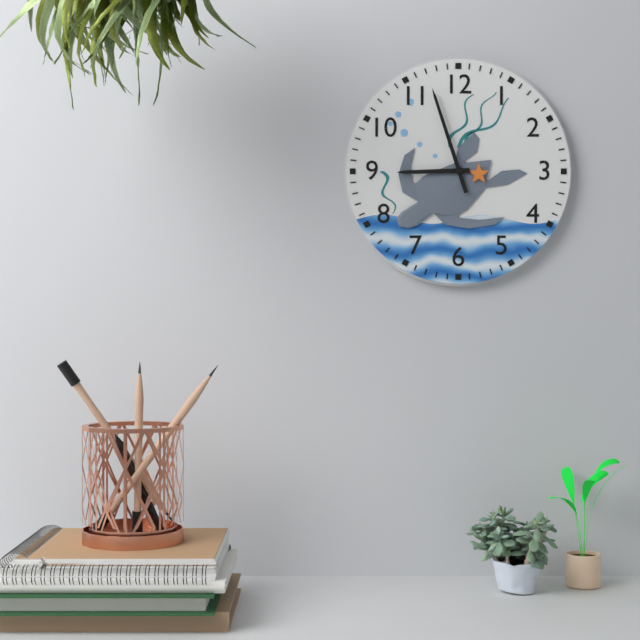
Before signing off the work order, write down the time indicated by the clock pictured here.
8:57
